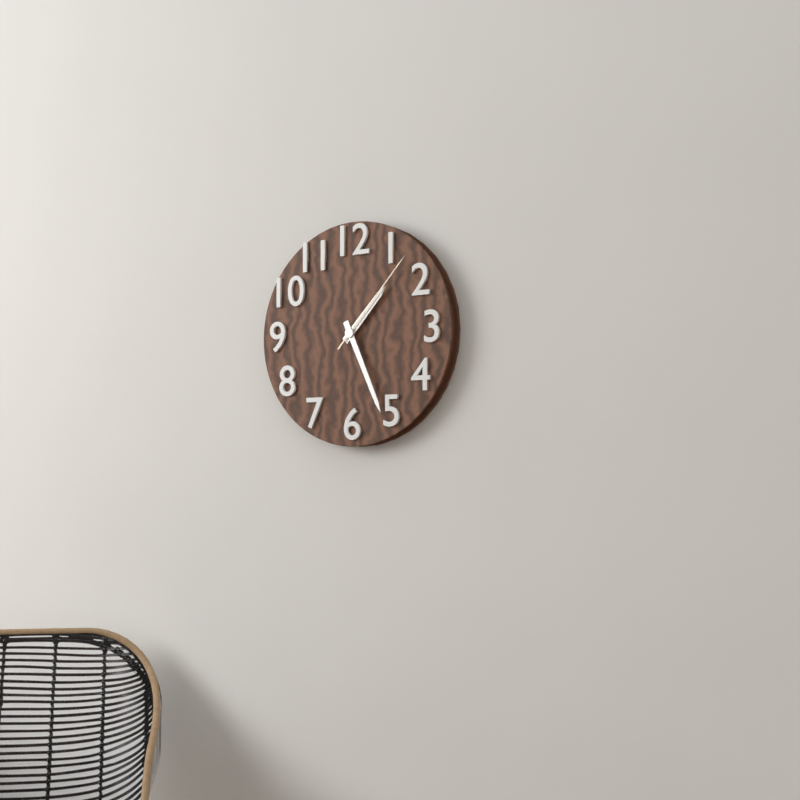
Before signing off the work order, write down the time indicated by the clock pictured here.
1:26:07
